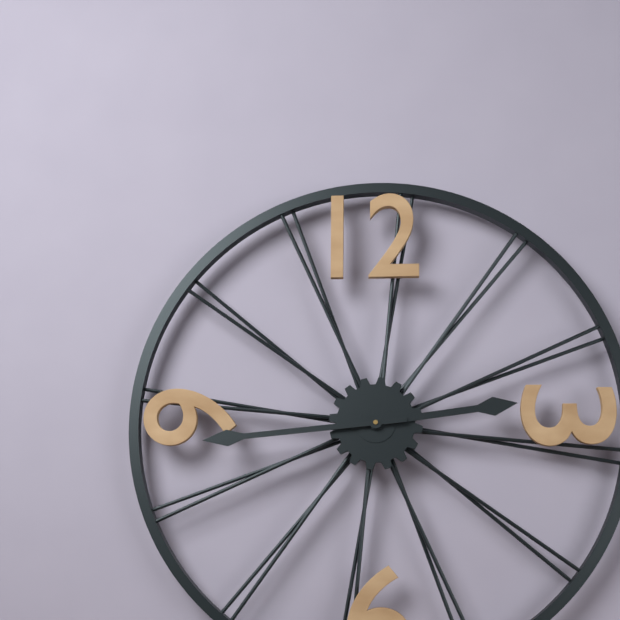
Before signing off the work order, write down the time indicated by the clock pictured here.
2:44
